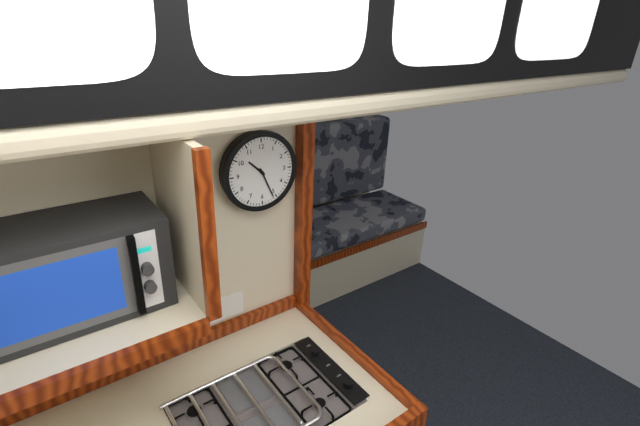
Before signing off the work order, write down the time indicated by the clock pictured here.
10:26
